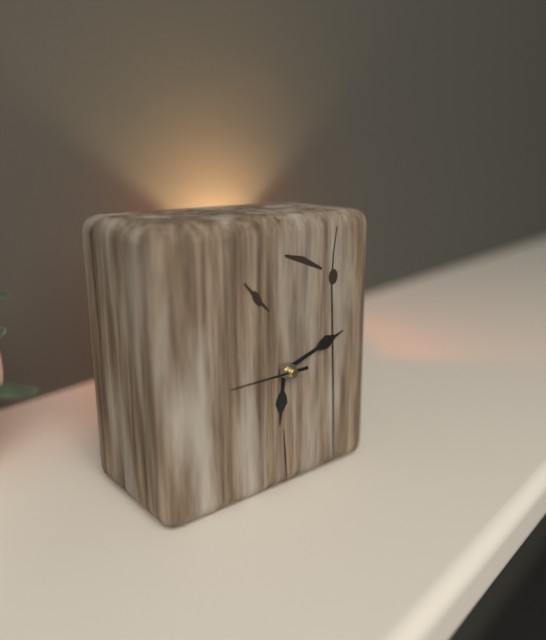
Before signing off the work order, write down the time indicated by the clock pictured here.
6:12:45
